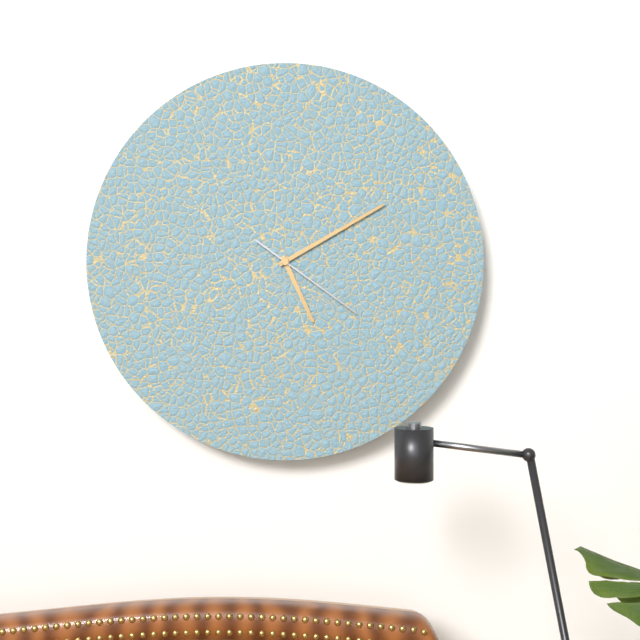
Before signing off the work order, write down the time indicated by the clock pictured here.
5:10:21
